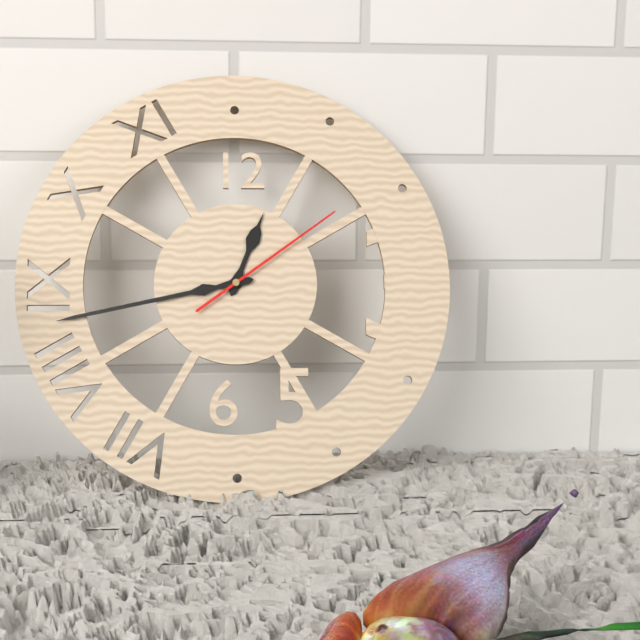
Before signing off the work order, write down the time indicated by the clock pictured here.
12:43:09
